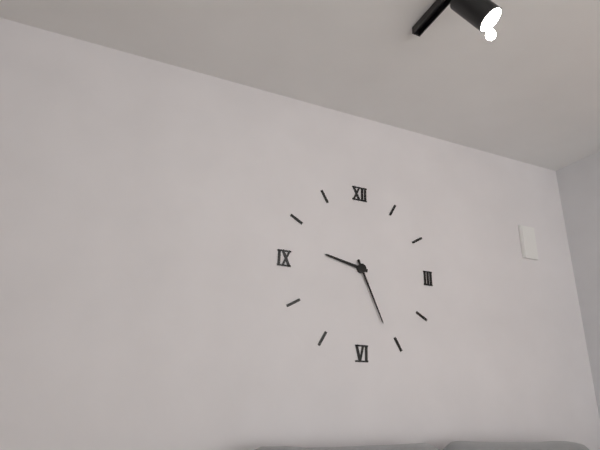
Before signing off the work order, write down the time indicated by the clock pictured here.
9:26
